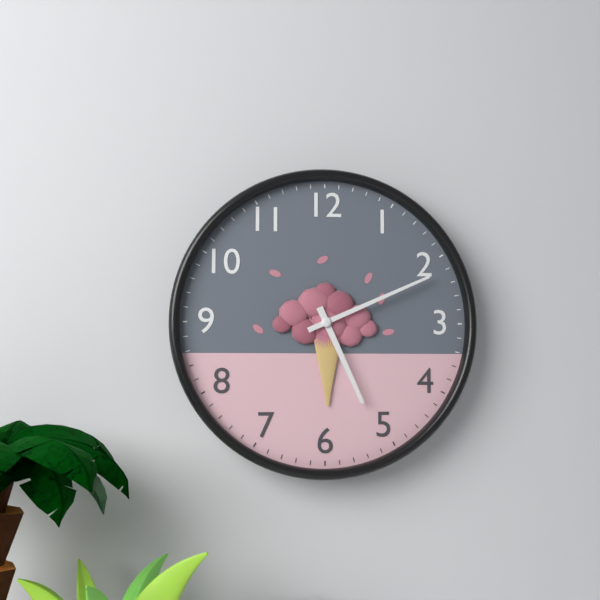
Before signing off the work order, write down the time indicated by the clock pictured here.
5:11
